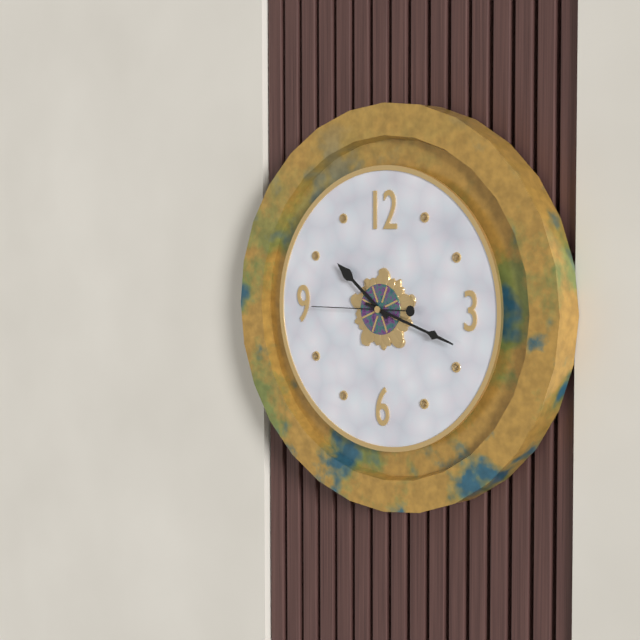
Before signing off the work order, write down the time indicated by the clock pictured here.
10:18:45
